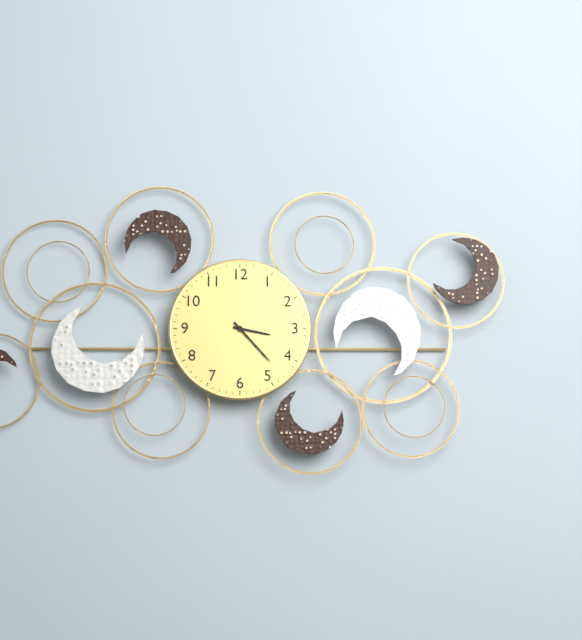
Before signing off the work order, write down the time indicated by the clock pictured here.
3:23
